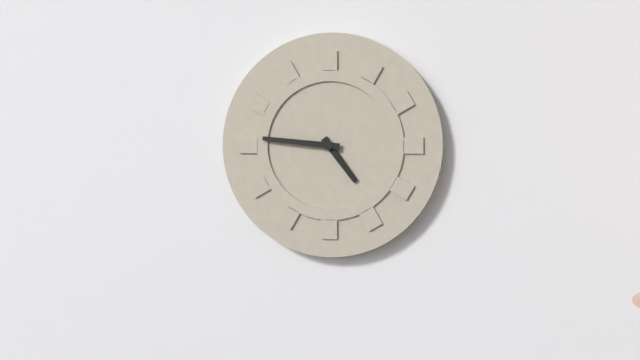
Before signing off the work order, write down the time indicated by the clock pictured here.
4:46
